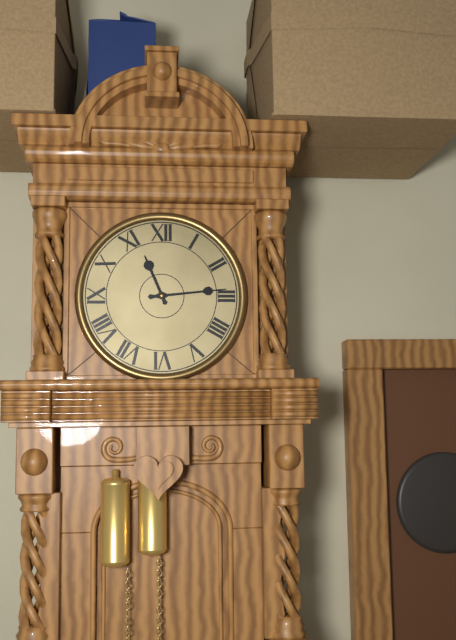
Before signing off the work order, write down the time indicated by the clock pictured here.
11:14
